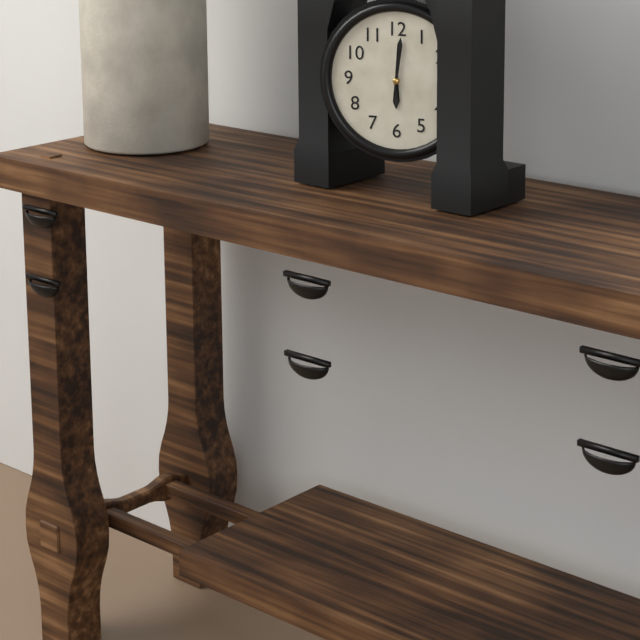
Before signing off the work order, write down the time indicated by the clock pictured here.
6:01
